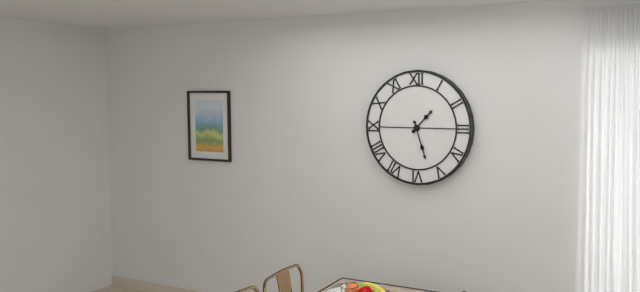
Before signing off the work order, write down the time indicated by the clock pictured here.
1:27
